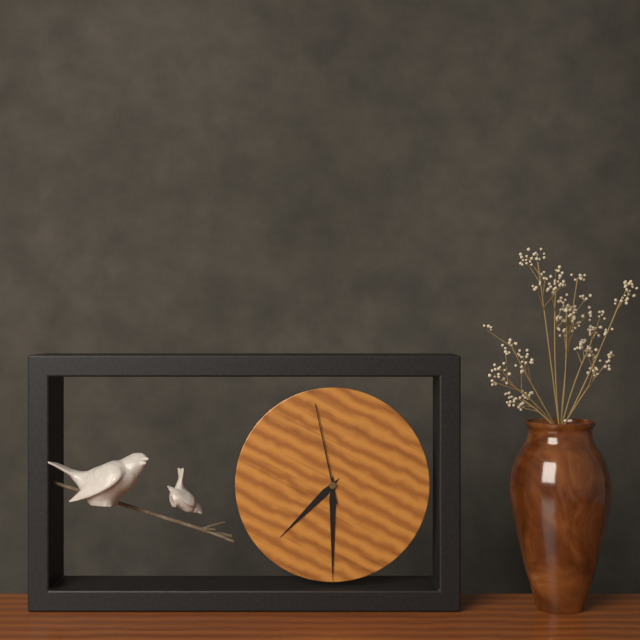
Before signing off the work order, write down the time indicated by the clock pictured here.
7:30:58
